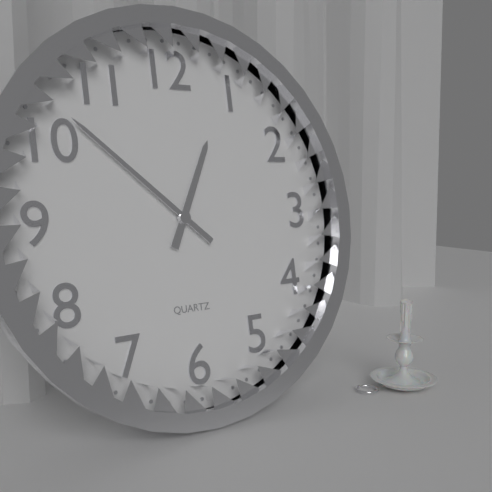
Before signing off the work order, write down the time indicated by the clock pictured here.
12:52
